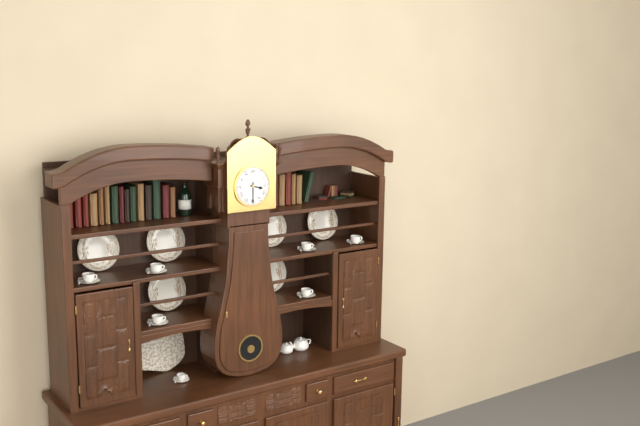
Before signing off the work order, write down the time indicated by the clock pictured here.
3:30
